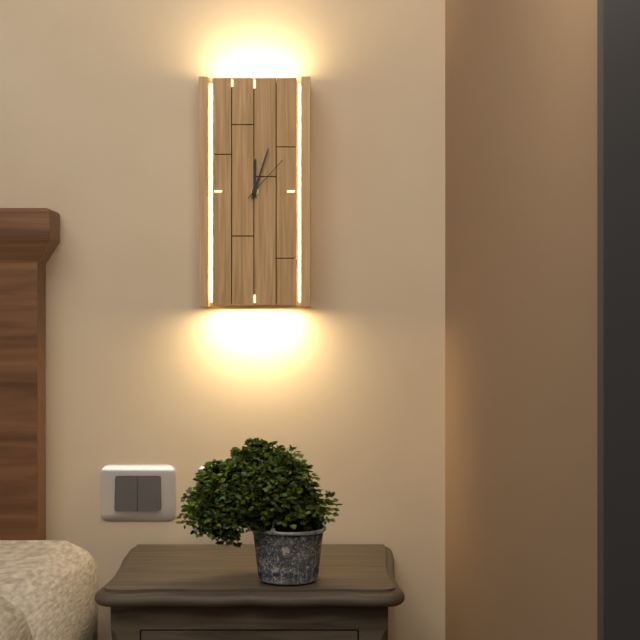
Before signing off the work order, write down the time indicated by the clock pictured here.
12:03:07
